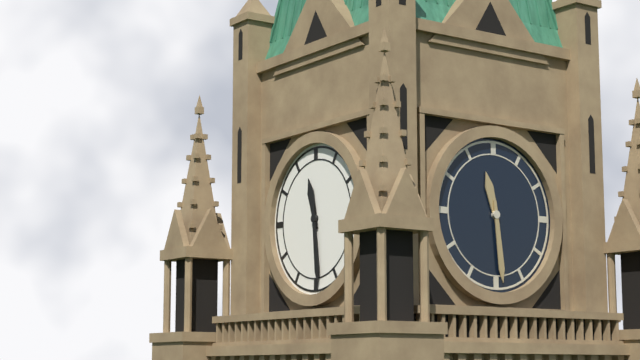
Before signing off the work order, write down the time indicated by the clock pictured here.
11:29
